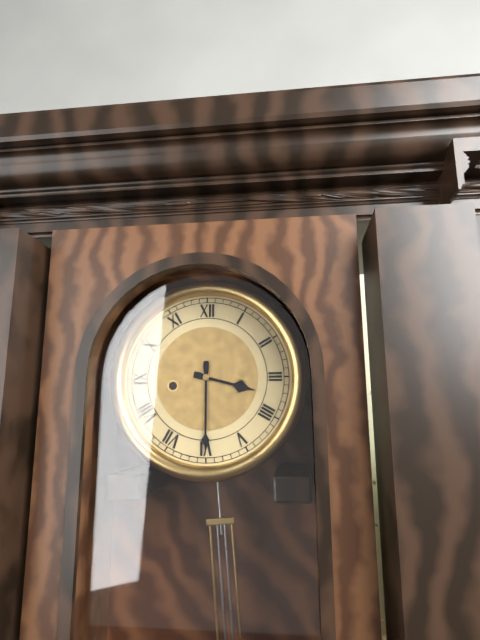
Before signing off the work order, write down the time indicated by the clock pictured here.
3:30
